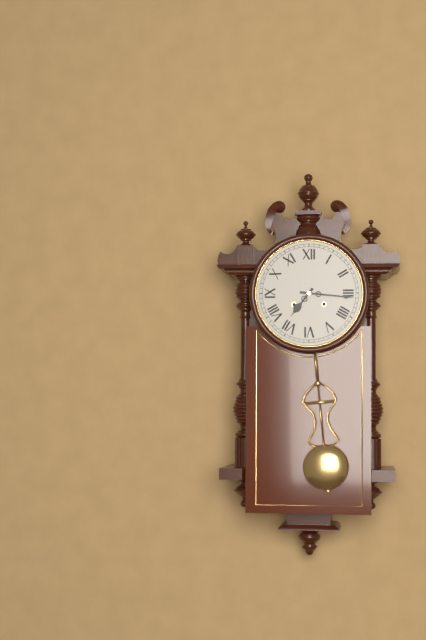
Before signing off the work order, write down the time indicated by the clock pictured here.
7:16
